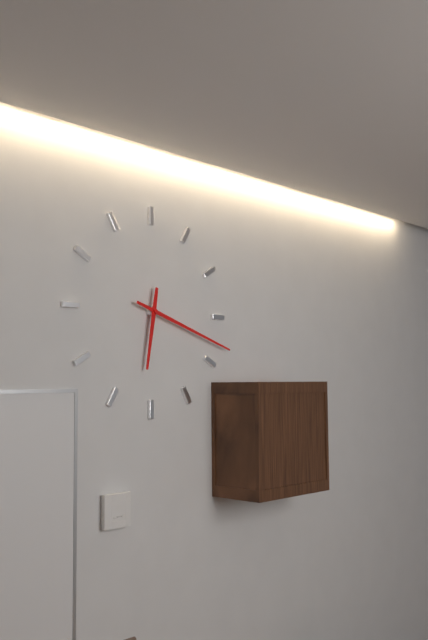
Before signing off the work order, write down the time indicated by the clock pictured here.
6:18
